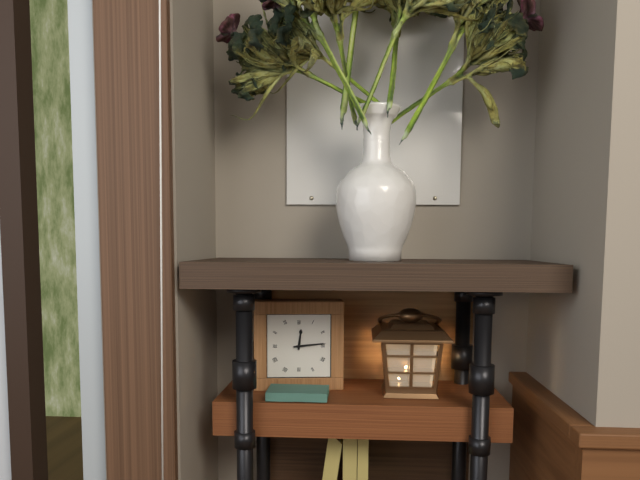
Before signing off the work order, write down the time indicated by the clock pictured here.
12:14
